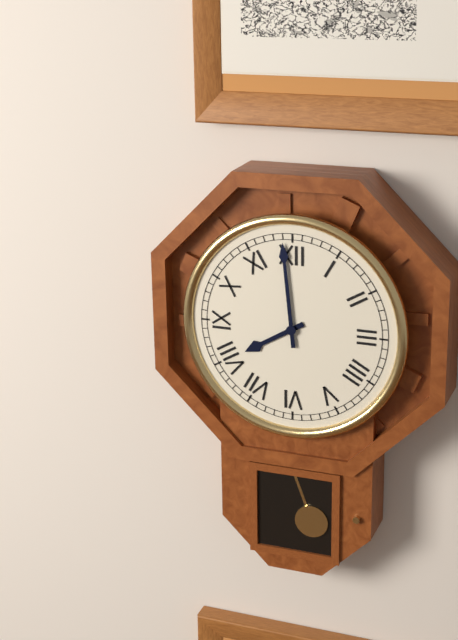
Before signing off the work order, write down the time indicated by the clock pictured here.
7:59
